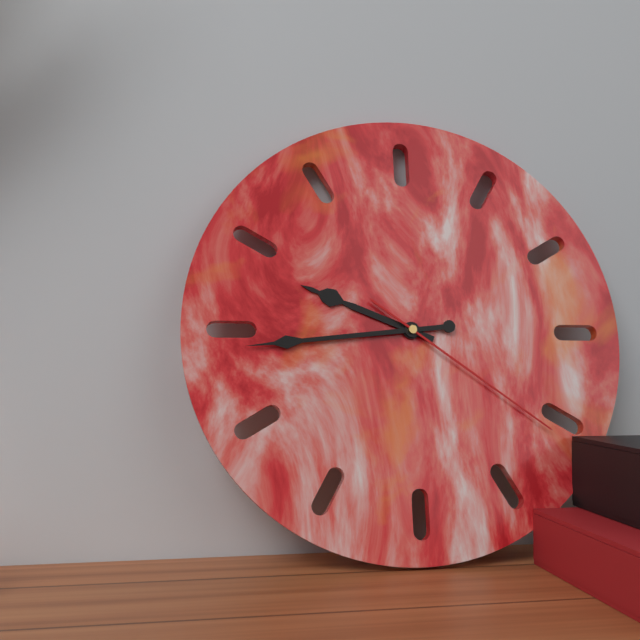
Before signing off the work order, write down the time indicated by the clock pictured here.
9:44:21
